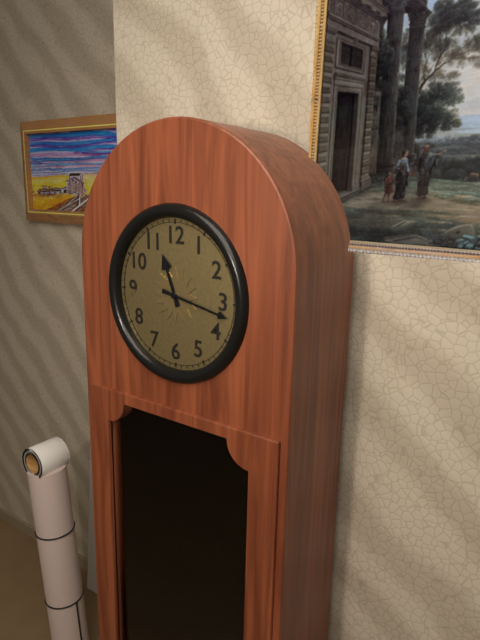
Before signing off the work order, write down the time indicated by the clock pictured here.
11:17
